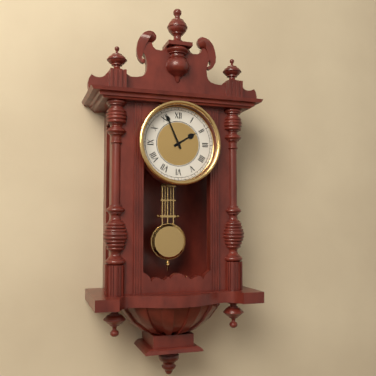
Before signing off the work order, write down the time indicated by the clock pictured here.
1:56
